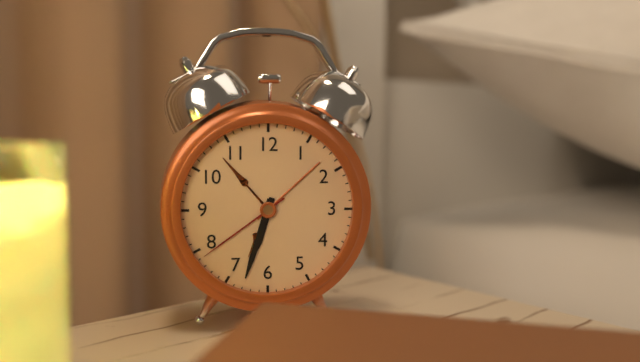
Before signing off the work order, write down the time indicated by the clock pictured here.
6:33:39
